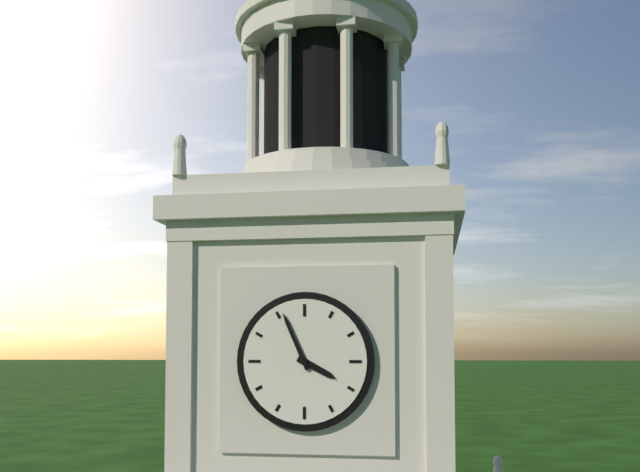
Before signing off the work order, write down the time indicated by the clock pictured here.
3:56
